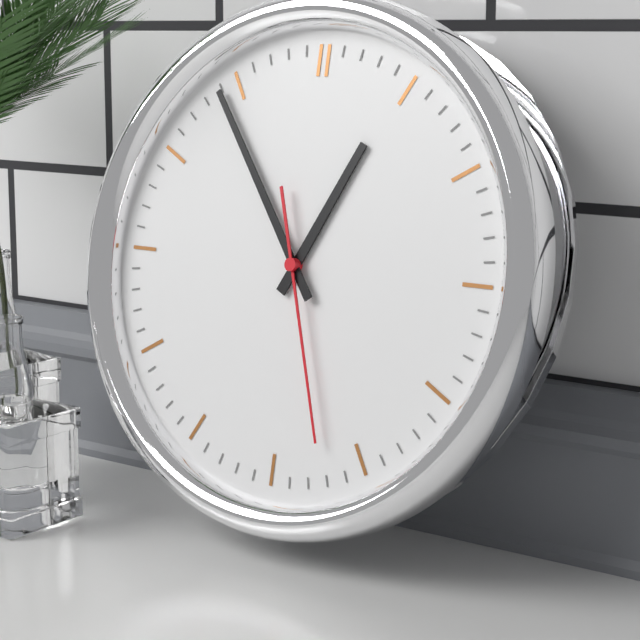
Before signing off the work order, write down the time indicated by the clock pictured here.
12:54:27
